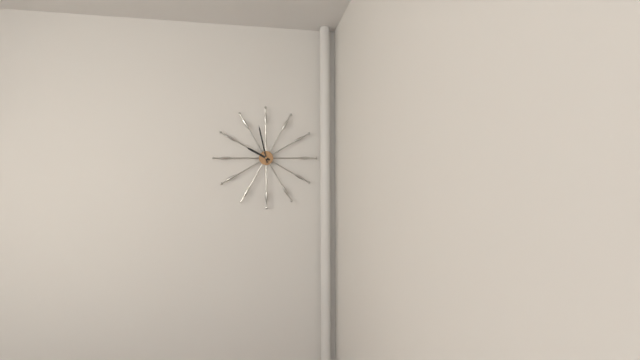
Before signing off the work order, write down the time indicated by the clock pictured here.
9:58
